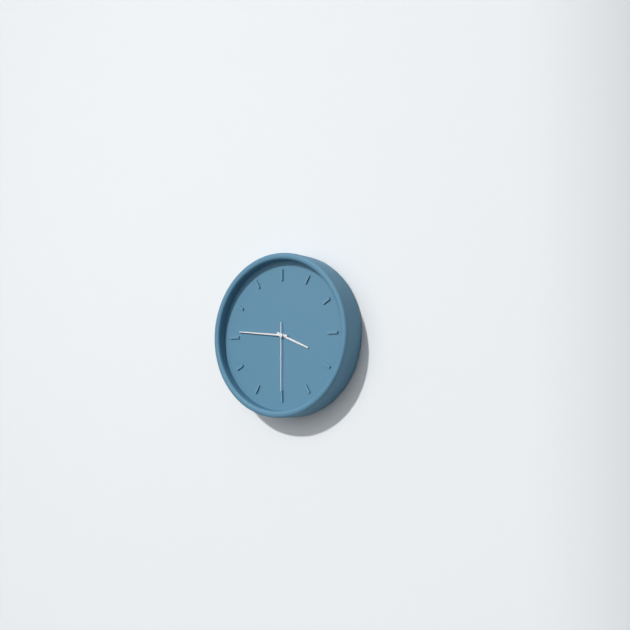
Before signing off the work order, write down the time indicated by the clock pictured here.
3:46:30
